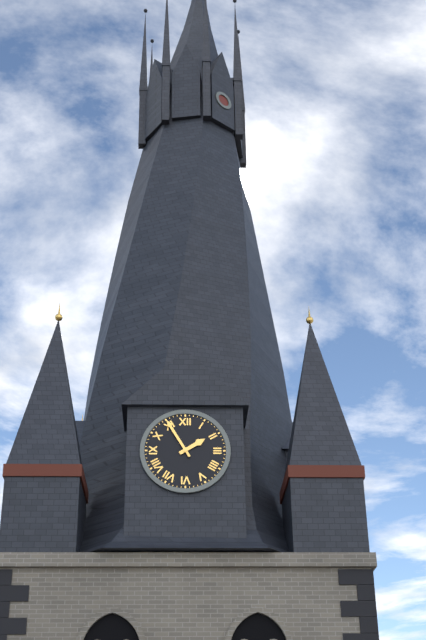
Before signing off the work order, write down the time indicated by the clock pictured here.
1:55
